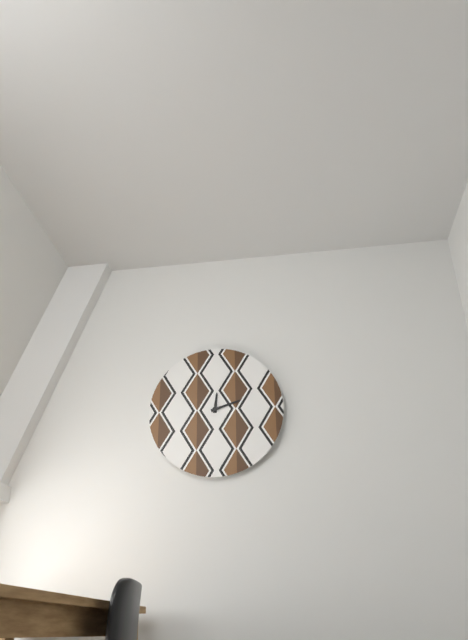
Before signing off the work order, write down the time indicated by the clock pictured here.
12:12
